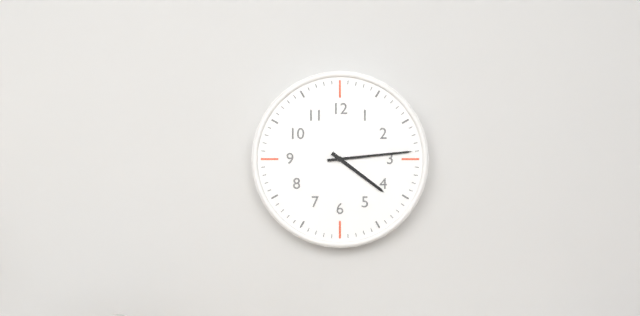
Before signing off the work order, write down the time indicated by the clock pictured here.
4:14
